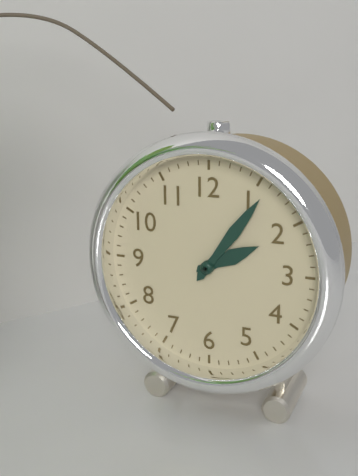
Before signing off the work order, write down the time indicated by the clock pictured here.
2:06
